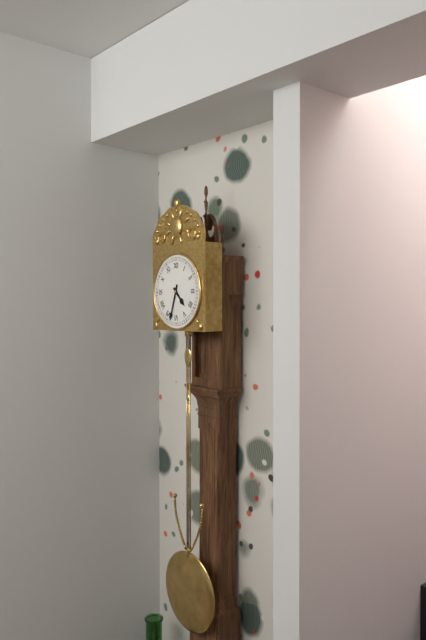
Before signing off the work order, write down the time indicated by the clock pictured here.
4:33
